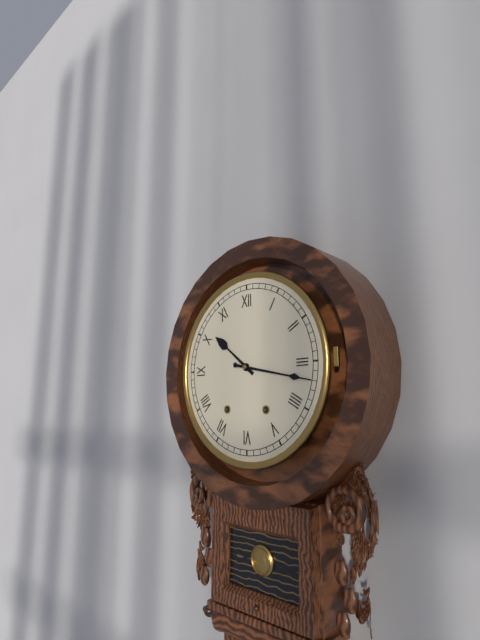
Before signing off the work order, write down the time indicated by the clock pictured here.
10:17
